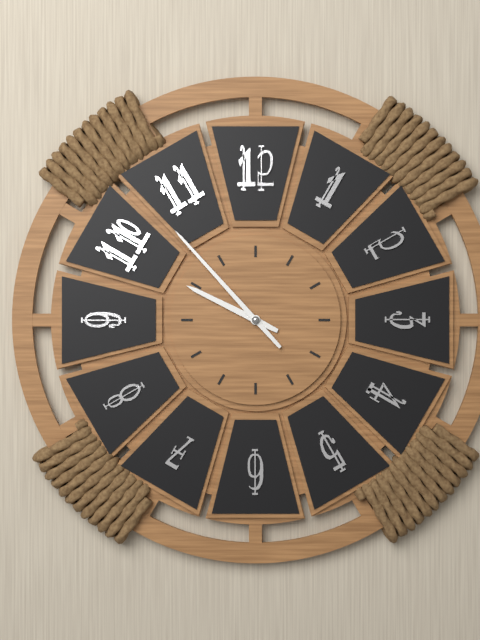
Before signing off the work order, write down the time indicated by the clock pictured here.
9:53
